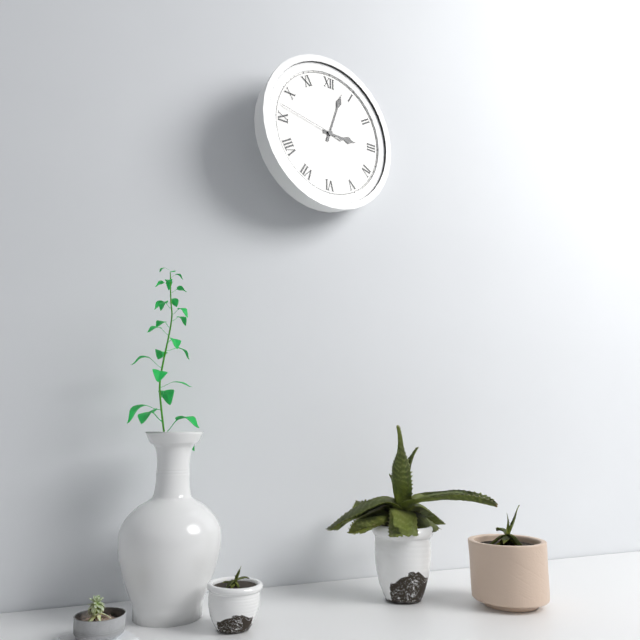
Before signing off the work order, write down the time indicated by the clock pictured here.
3:03:47
